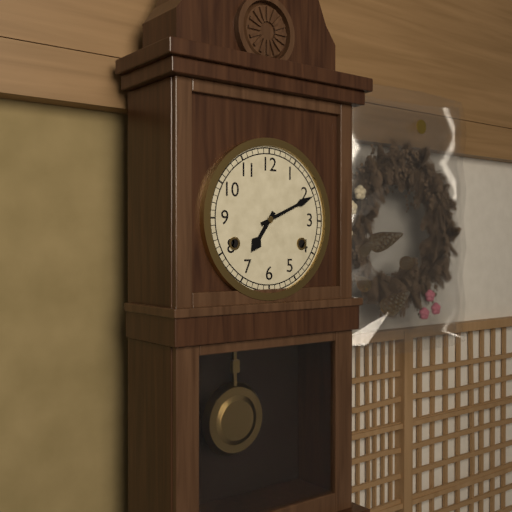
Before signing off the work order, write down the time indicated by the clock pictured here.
7:11
